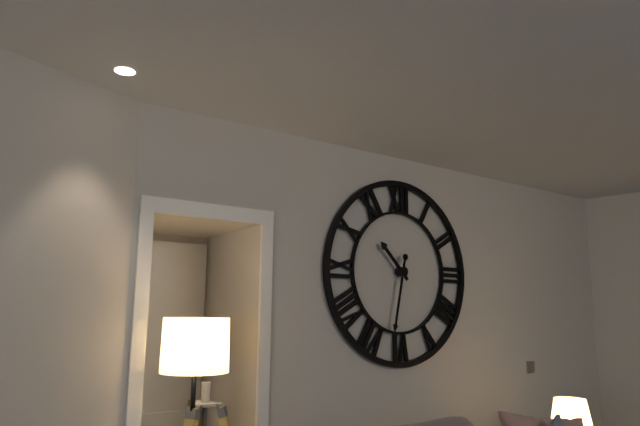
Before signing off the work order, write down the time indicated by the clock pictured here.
10:32
